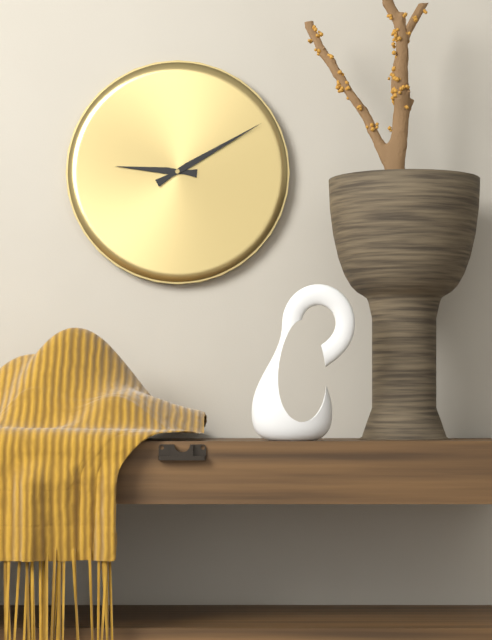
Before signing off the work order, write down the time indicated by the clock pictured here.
9:10
